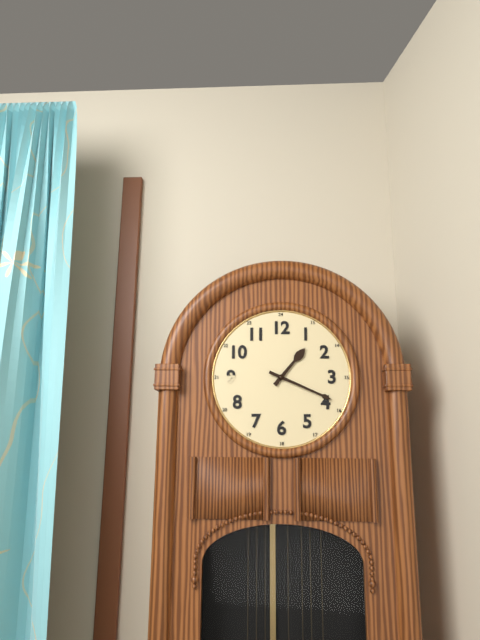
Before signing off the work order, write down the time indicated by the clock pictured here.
1:19
